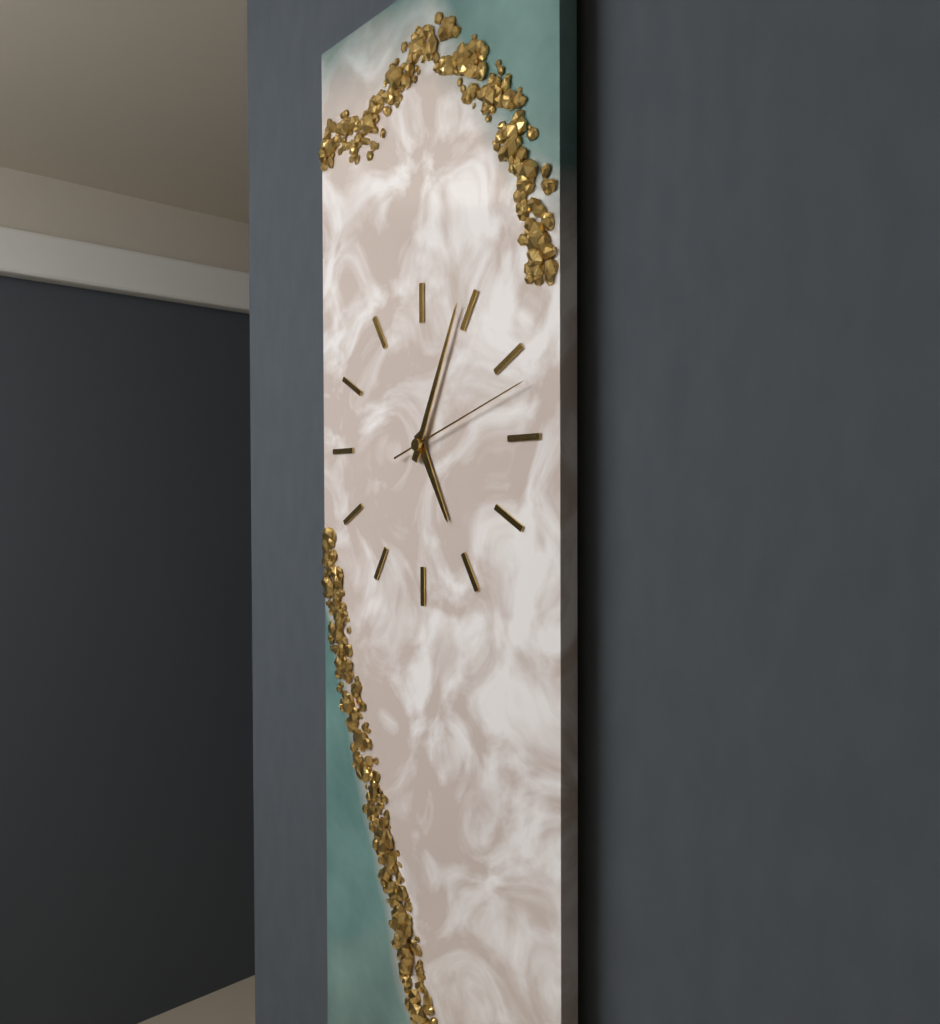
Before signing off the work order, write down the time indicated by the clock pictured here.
5:04:12
